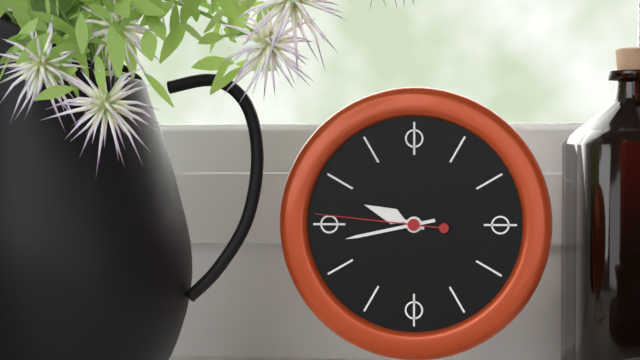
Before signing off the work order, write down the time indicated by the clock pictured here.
9:43:46
